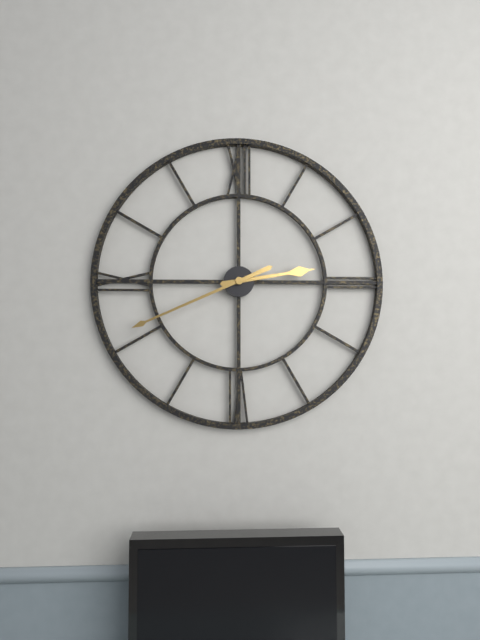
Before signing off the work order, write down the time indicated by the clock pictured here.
2:41
